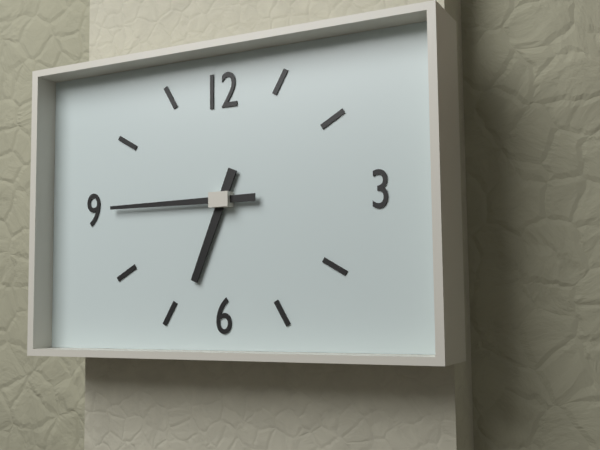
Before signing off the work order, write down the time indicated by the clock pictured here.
6:45
